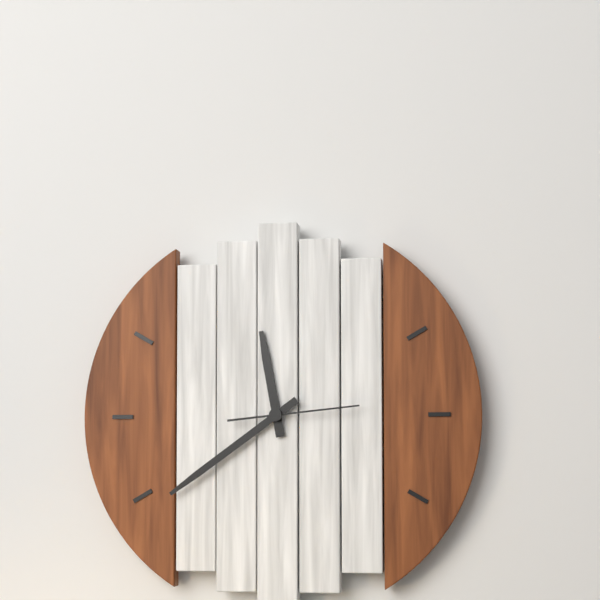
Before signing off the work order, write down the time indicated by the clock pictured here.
11:39:14
